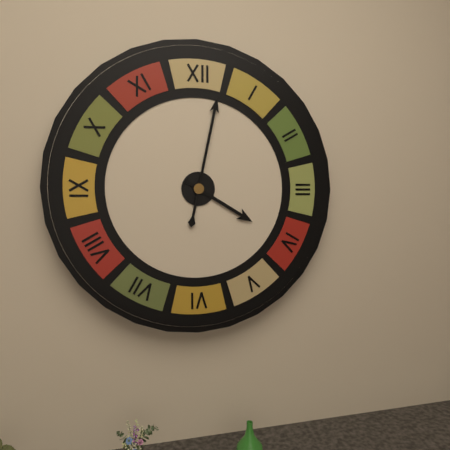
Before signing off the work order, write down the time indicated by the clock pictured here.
4:02
